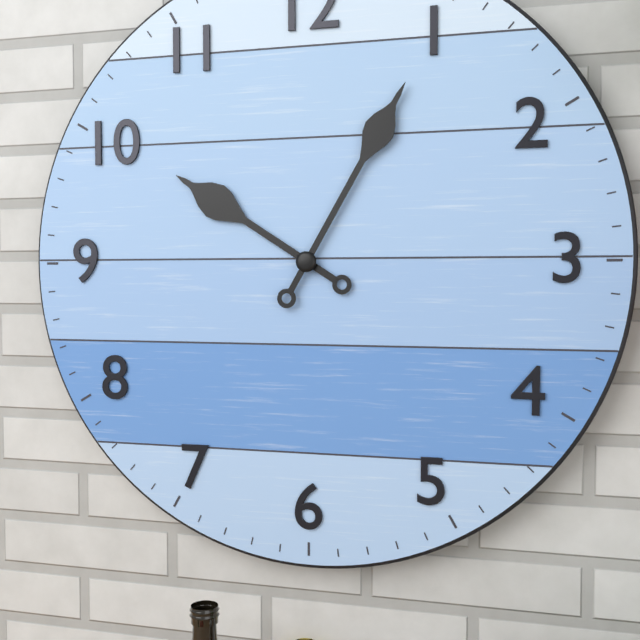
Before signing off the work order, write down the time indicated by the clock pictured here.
10:05
